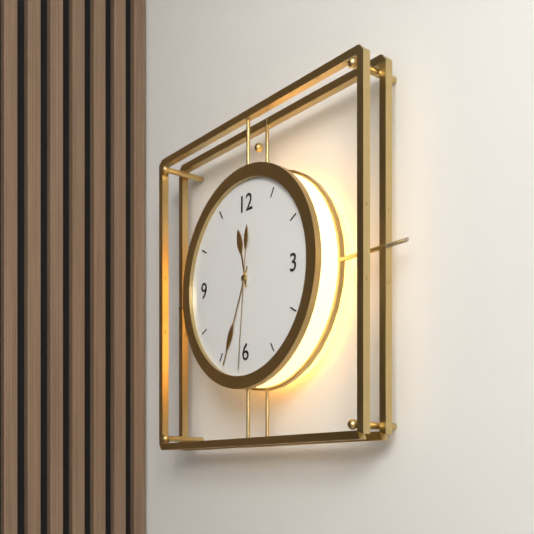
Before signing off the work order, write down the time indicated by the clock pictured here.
11:34:31
